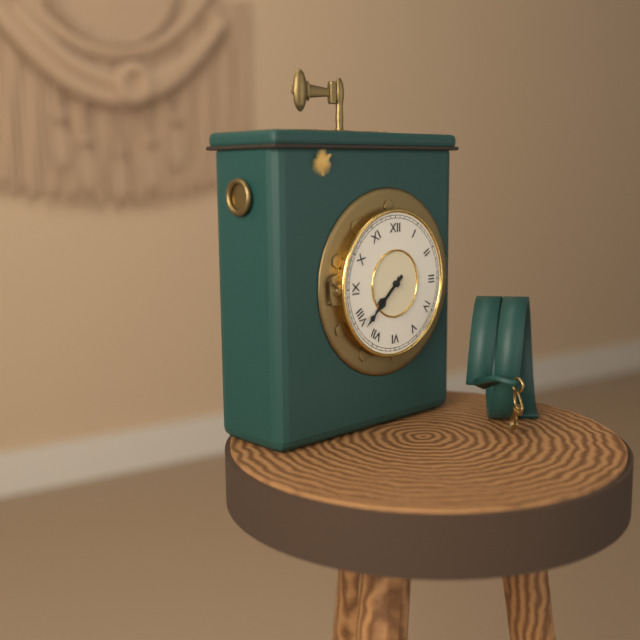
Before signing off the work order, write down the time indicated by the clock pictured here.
7:38
